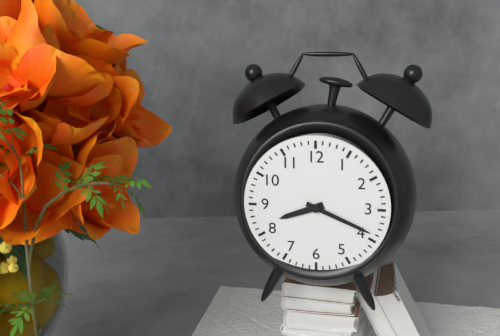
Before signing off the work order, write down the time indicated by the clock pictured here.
8:19
